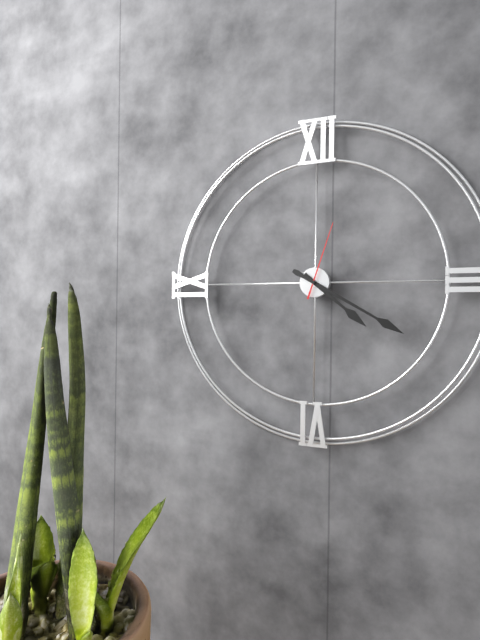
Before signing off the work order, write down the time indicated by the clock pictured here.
4:20:03
